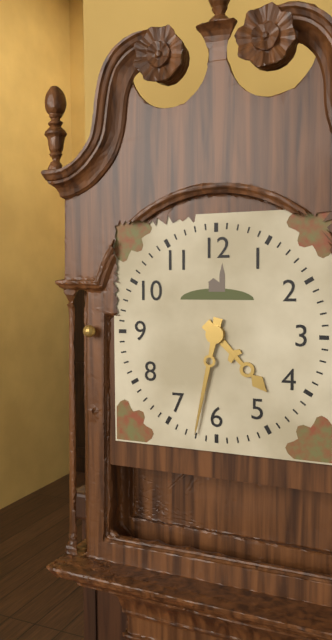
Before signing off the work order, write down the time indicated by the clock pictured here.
4:32
